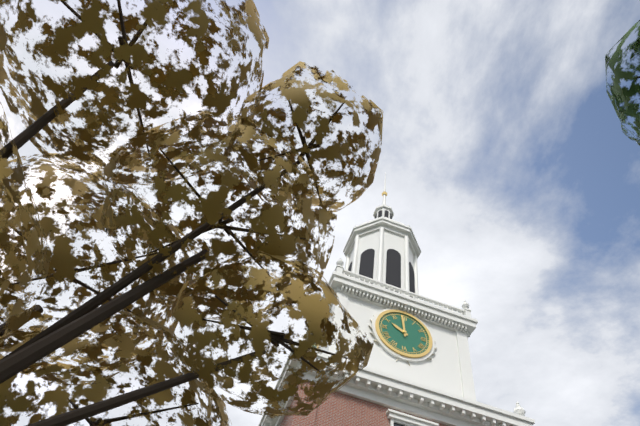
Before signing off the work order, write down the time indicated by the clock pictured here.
9:59
